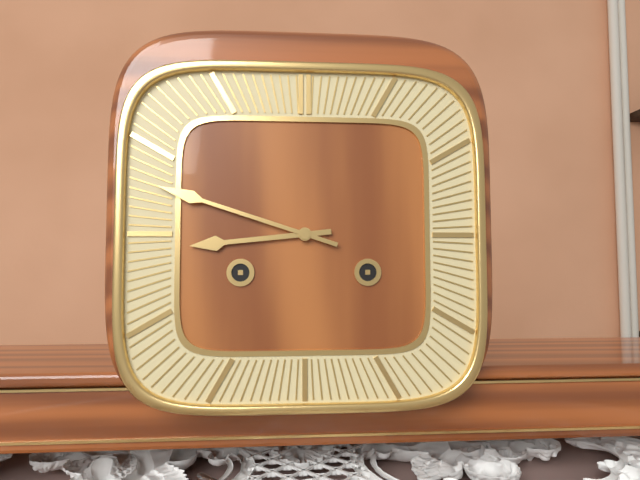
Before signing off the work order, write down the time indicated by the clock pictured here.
8:48
